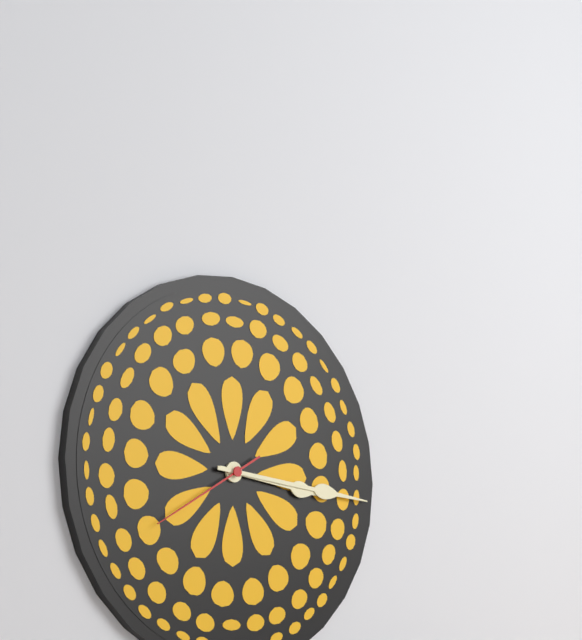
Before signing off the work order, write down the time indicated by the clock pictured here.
3:16:40
